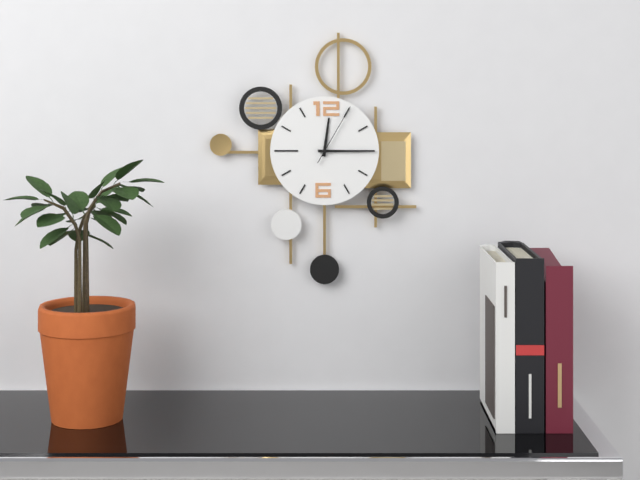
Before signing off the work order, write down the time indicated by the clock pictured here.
12:15:05
